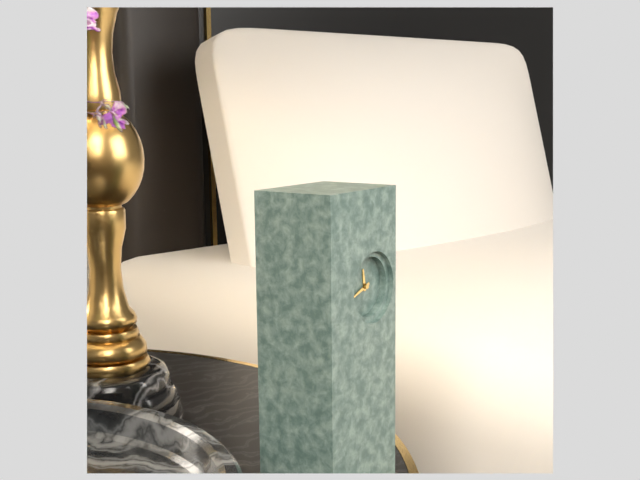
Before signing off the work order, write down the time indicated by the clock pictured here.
11:42
